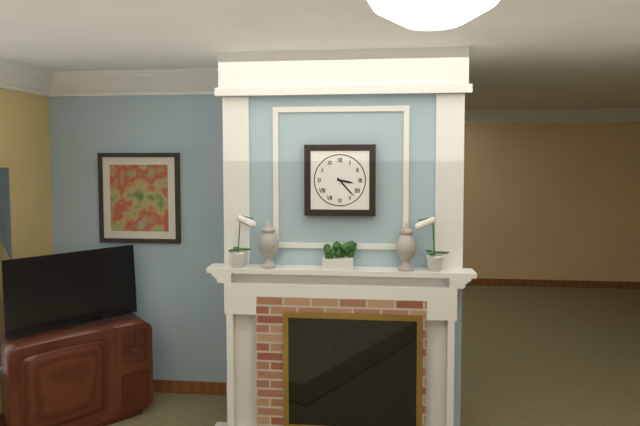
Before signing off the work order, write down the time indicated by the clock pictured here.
3:23
